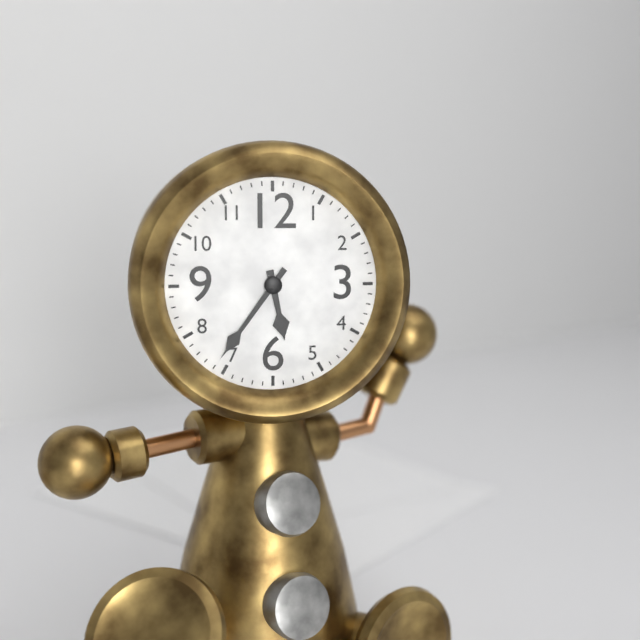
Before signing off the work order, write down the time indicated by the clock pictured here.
5:36
